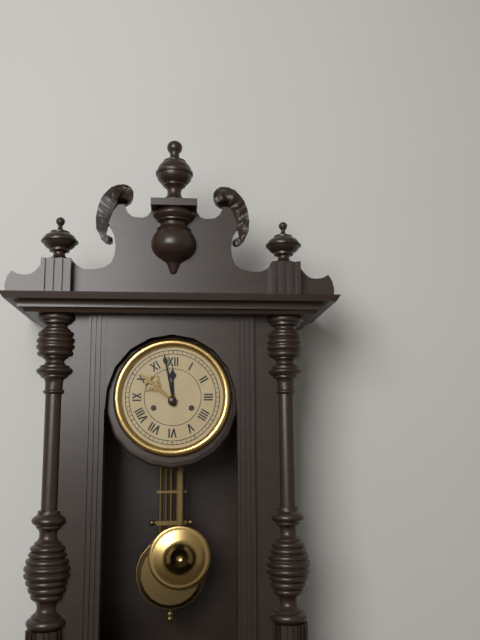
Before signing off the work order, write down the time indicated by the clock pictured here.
11:58
